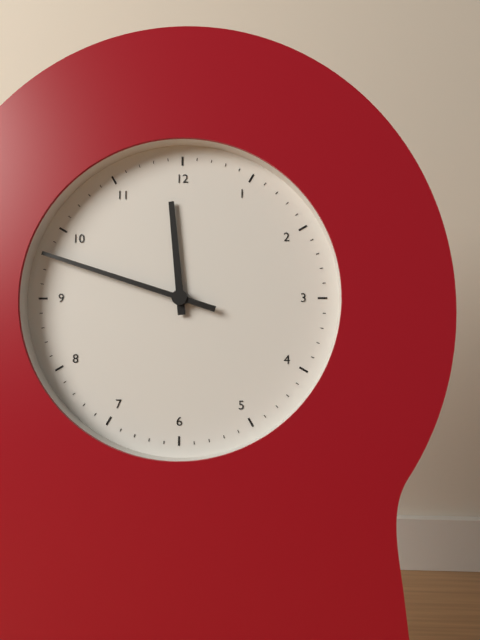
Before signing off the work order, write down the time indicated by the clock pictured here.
11:48
